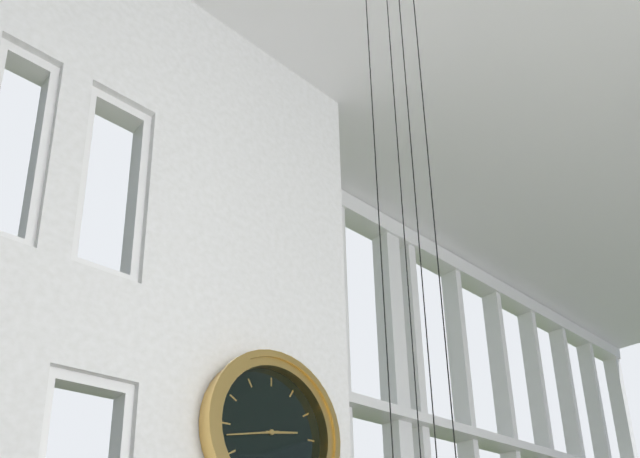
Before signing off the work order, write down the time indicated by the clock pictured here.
2:43
